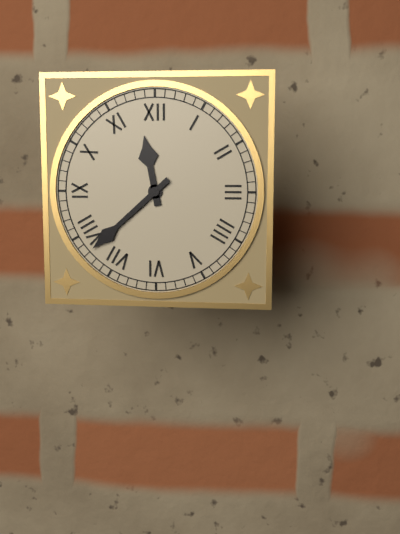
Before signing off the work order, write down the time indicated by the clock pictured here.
11:38
